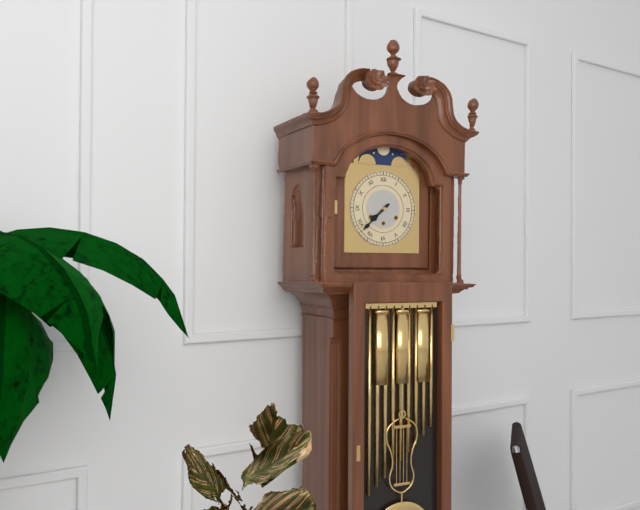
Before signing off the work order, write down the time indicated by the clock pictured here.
7:38
